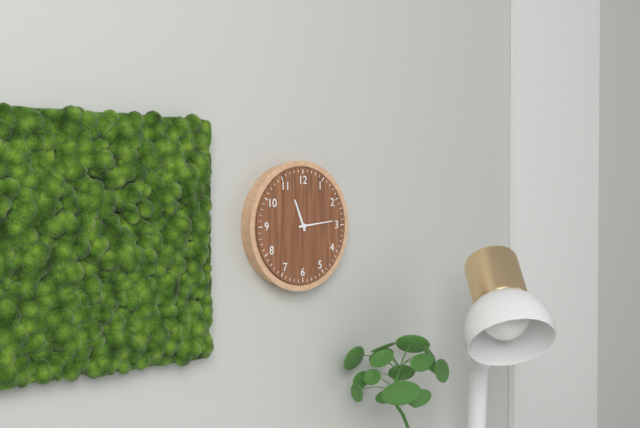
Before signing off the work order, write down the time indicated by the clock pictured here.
11:14
